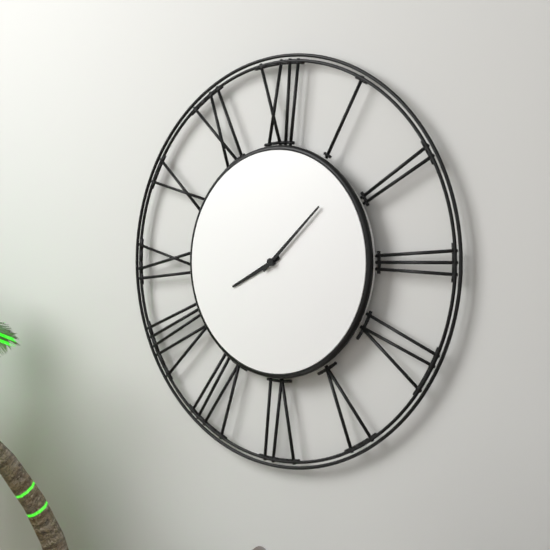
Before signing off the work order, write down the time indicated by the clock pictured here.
8:08
